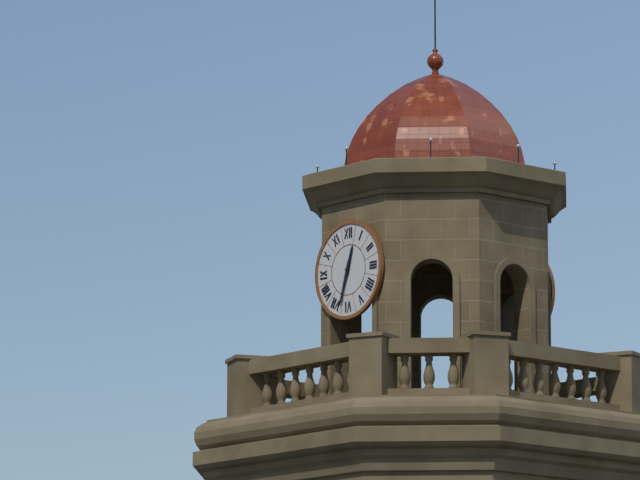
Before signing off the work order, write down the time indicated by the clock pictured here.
12:33
